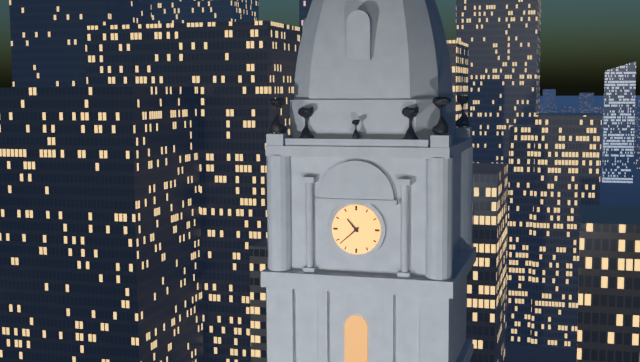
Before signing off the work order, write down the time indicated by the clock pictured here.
10:38
